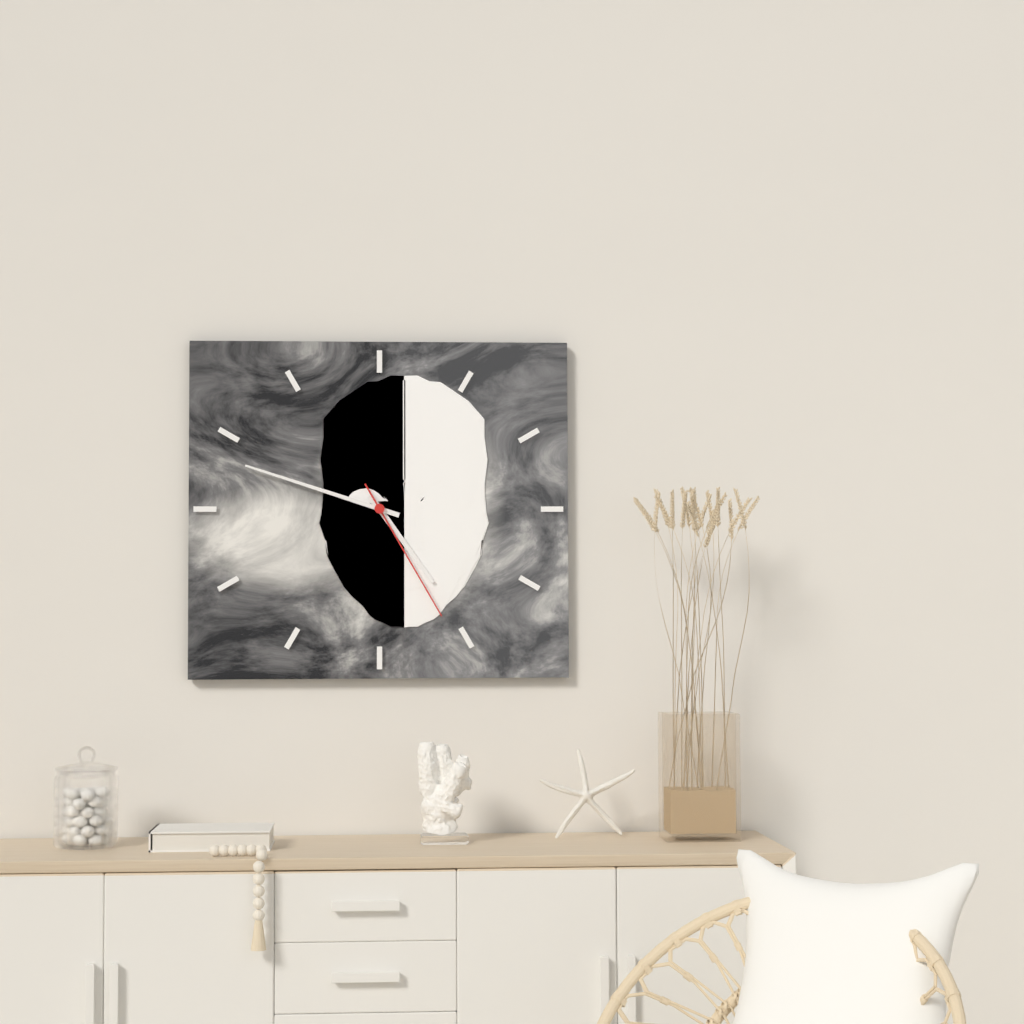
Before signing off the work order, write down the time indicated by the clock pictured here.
4:48:25
